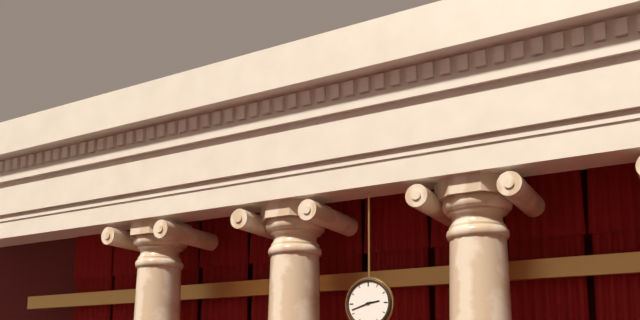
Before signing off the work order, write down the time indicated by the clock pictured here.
2:42
